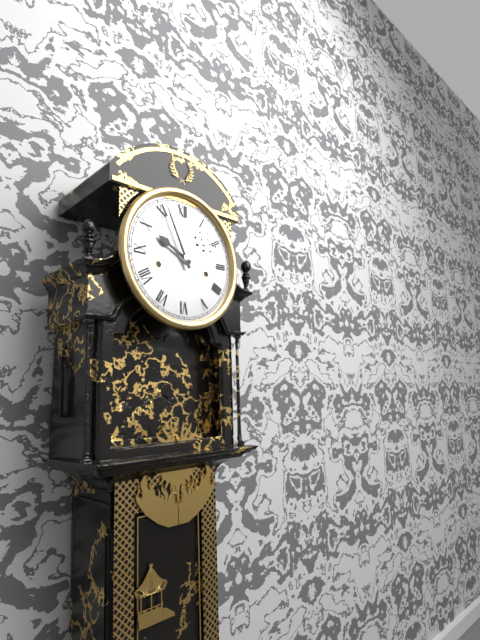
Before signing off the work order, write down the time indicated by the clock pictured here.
9:56
